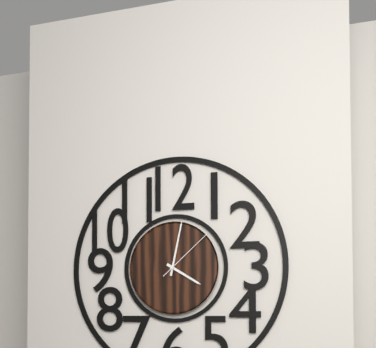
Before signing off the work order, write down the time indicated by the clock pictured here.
4:02:08
